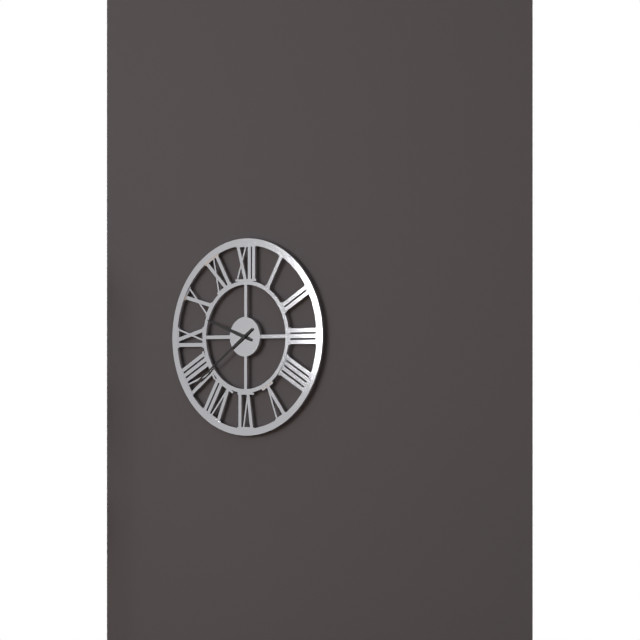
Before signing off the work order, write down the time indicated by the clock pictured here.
9:39
